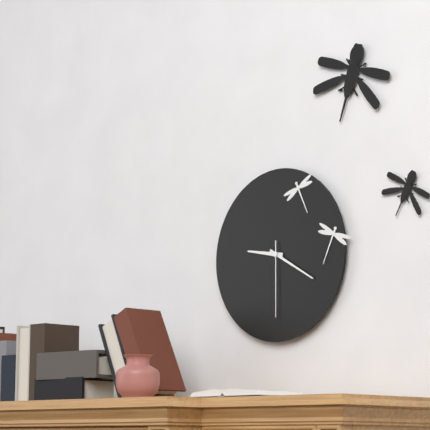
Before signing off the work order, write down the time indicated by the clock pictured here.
9:20:30
